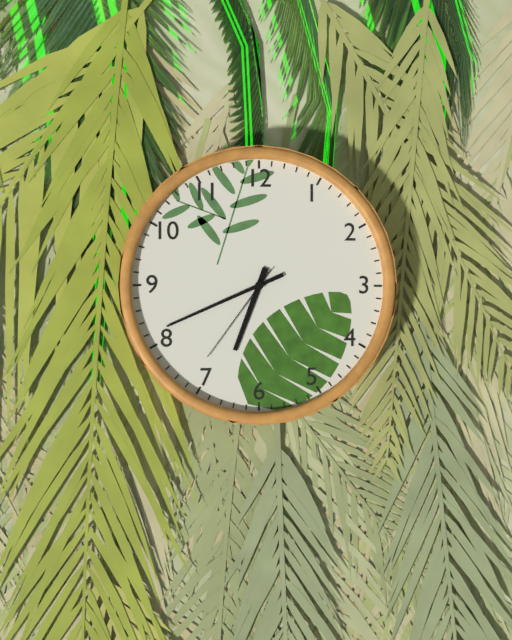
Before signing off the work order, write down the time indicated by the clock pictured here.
6:41:36
